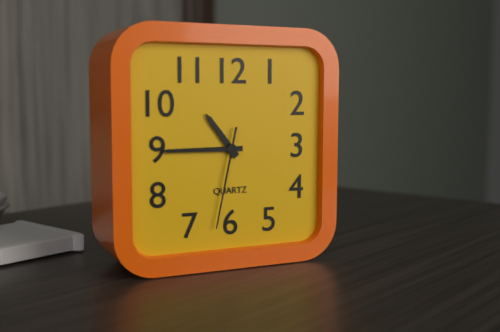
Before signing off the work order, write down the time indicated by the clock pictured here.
10:45:32
